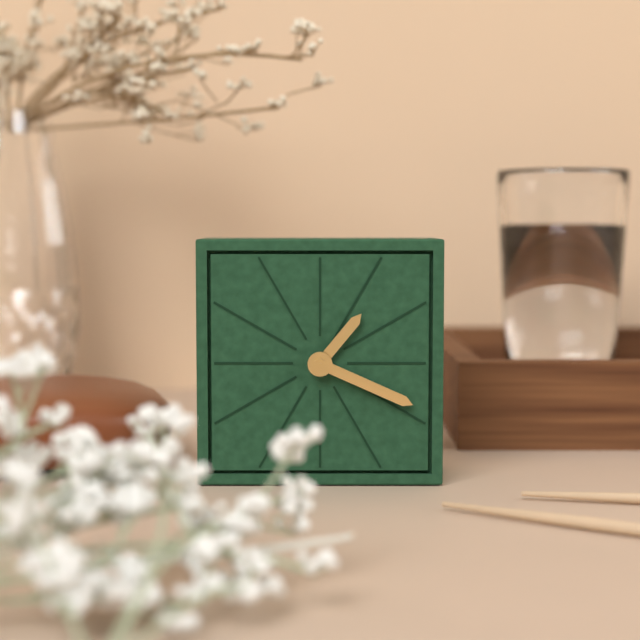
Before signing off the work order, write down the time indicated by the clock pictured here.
1:19
